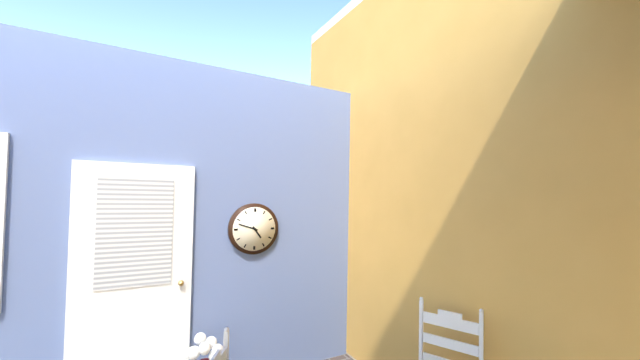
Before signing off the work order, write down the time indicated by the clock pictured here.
4:48
